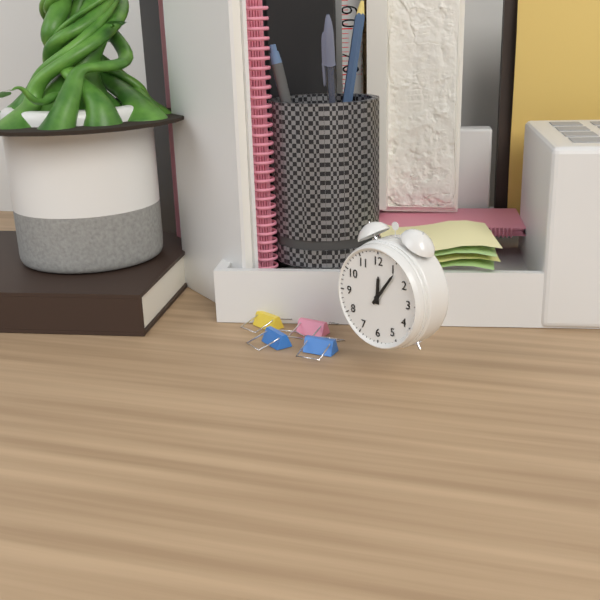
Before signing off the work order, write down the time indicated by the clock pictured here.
12:06
